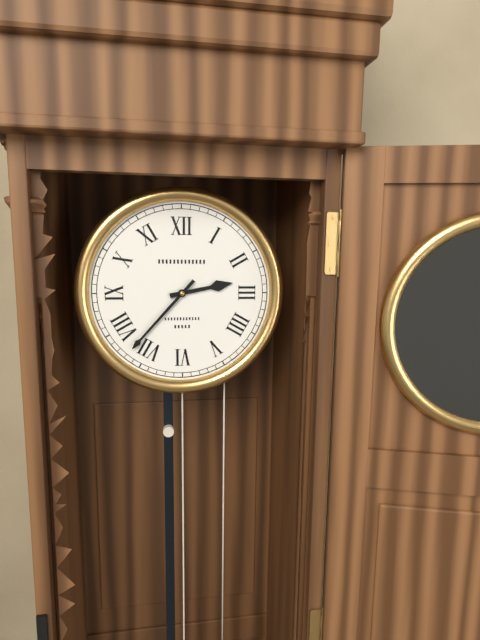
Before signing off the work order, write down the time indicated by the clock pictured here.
2:37
